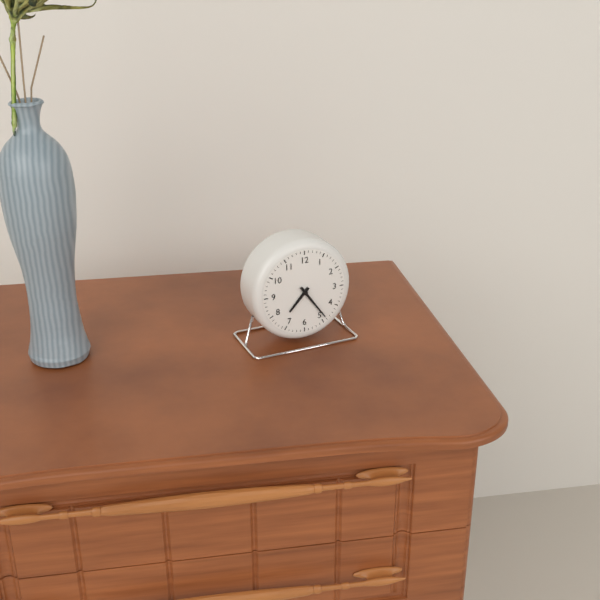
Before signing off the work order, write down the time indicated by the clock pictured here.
7:24
